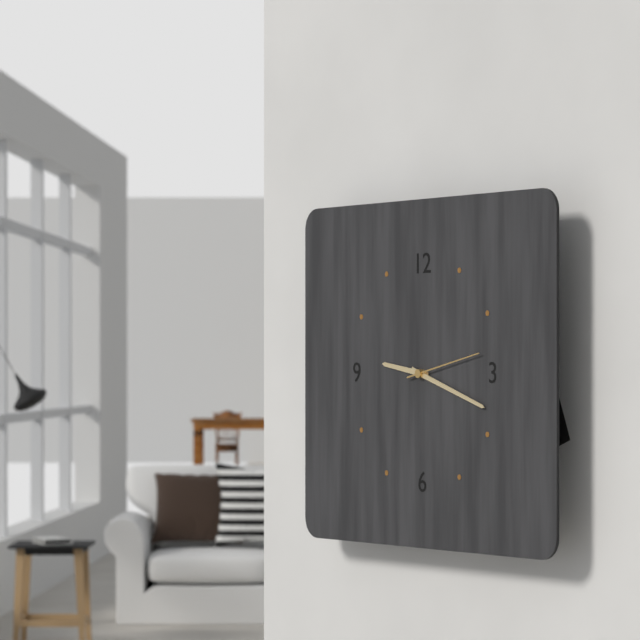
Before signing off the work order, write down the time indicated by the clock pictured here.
9:18
